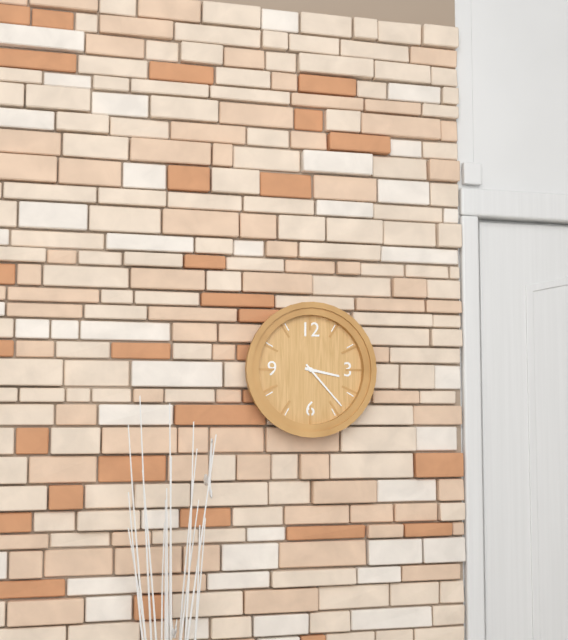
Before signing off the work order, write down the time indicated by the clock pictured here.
3:23
